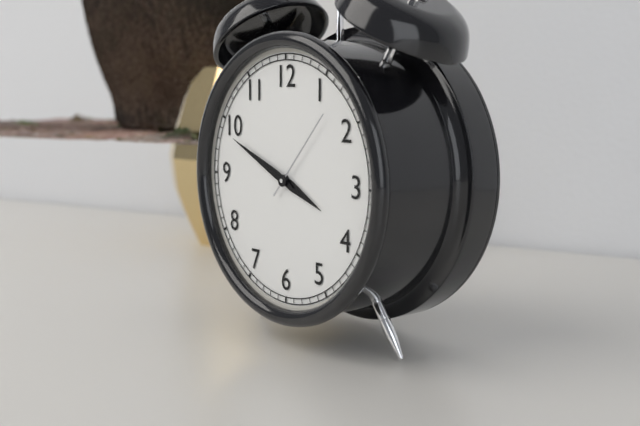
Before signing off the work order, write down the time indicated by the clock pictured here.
3:49:07
